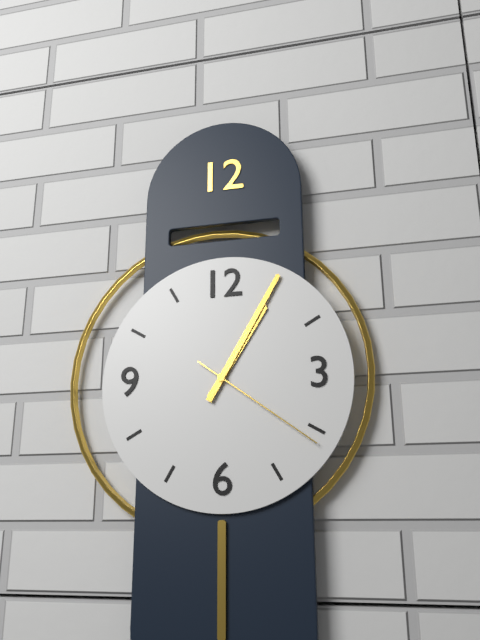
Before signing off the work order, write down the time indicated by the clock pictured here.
1:05:21
